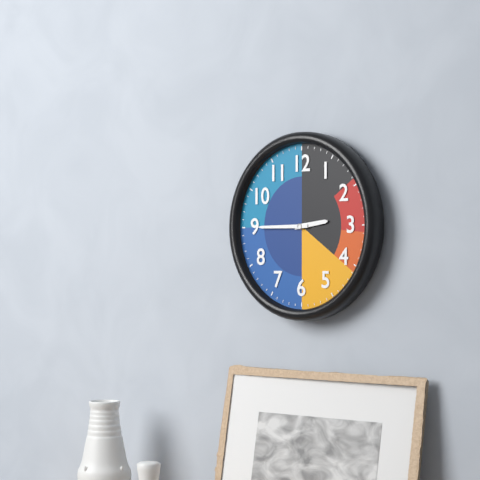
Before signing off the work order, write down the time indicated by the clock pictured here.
2:45
